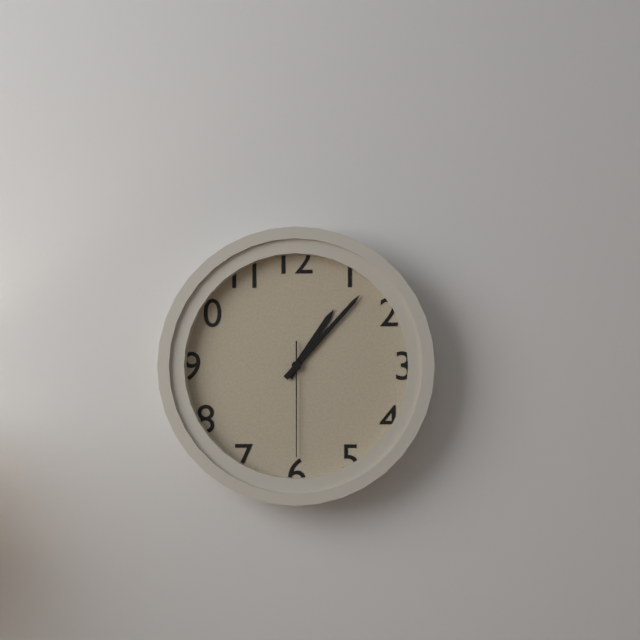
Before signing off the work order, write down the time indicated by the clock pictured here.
1:07:30
